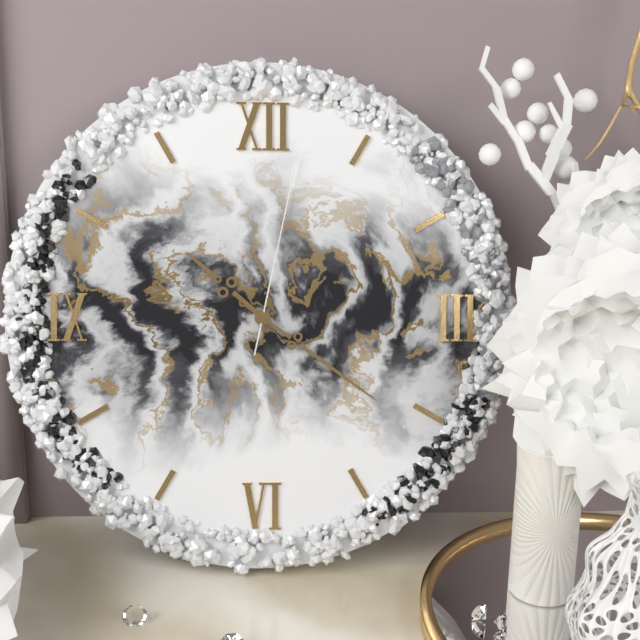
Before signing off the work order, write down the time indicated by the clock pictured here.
10:21:02
